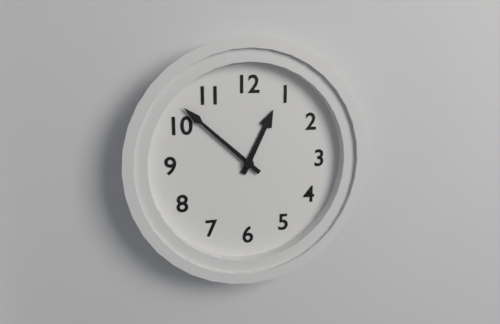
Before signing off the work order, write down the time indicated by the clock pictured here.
12:52
